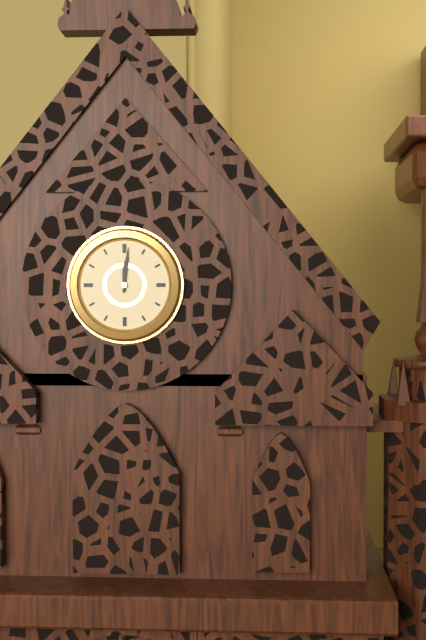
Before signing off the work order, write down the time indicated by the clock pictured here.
12:01
